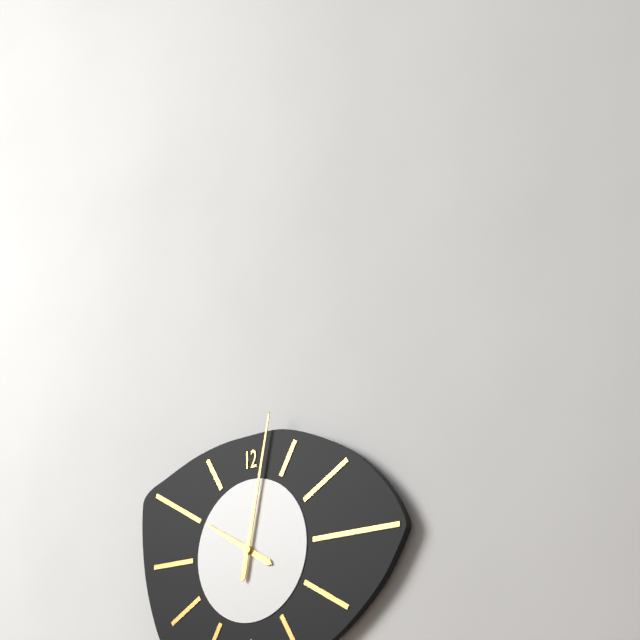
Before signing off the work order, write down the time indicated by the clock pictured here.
10:02
